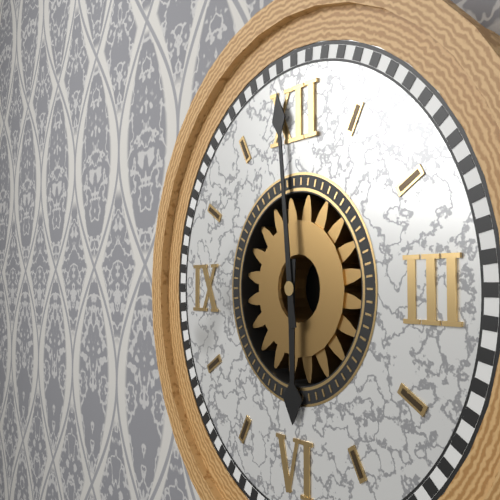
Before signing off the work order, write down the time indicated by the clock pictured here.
5:59
